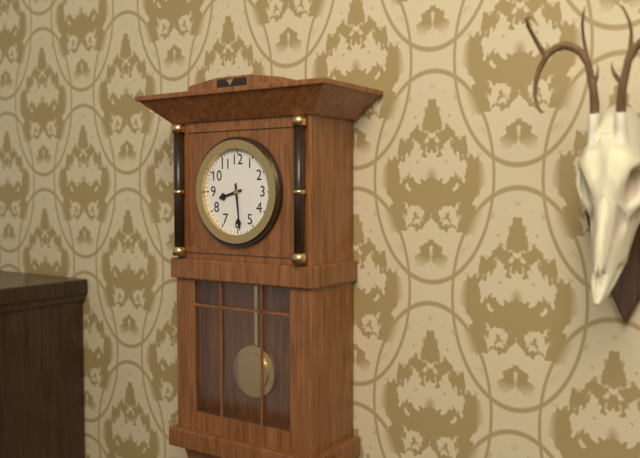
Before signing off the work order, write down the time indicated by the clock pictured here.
8:29
